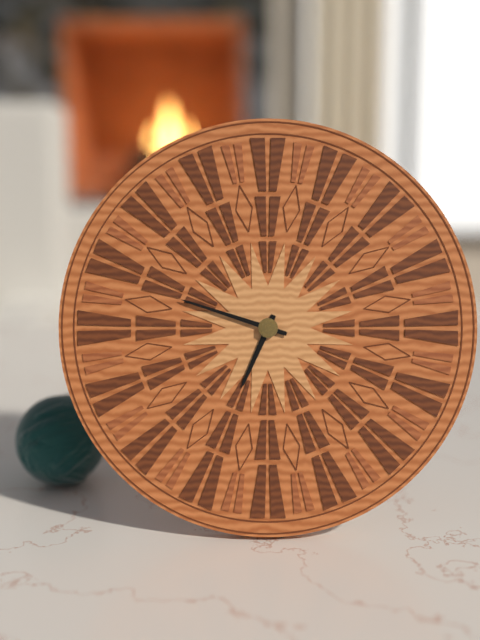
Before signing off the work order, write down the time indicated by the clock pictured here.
6:48
